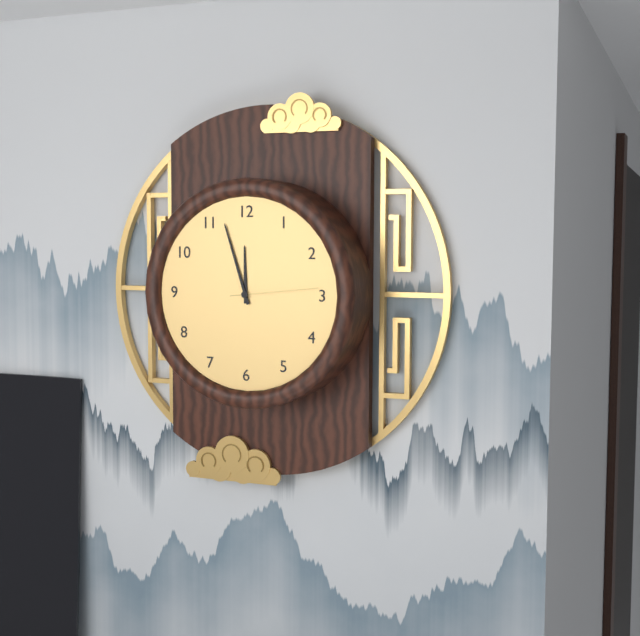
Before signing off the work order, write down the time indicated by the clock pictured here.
11:57:14
